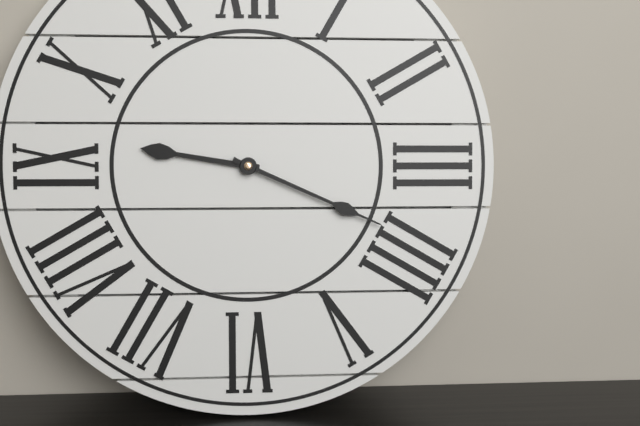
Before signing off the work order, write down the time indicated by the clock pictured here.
9:19
